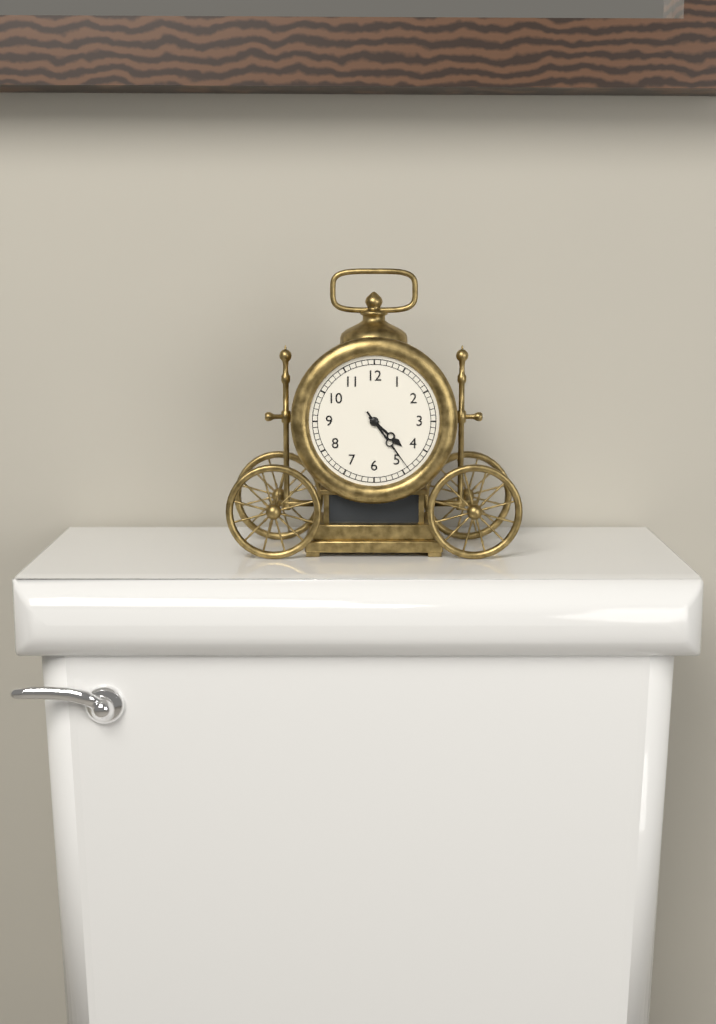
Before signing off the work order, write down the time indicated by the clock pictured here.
4:24
